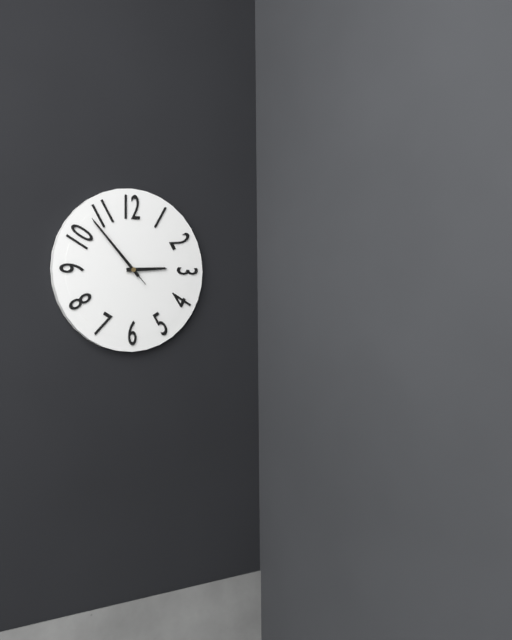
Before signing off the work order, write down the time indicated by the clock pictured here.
2:53:53
